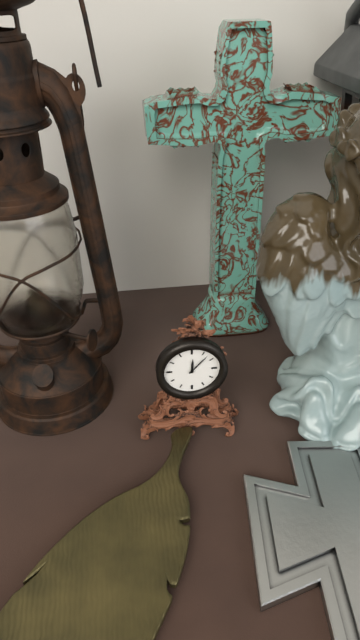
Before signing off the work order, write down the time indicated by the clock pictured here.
12:07
